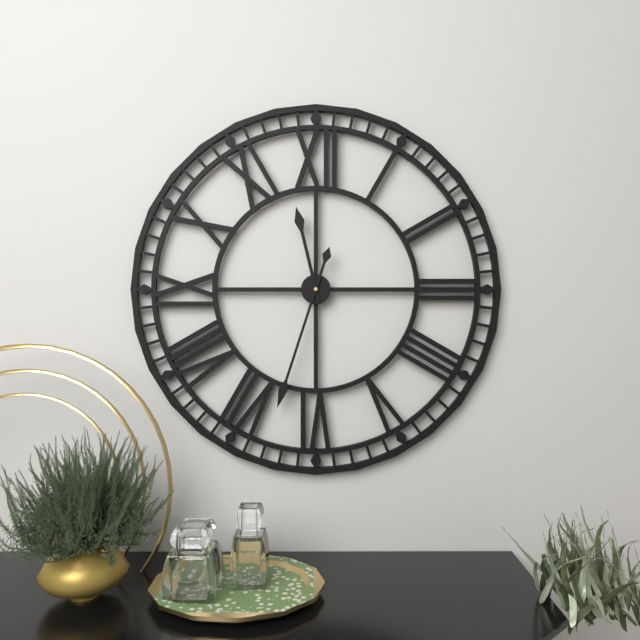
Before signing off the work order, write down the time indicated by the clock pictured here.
11:33
